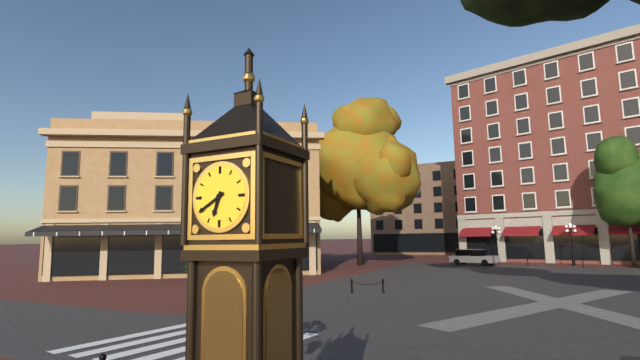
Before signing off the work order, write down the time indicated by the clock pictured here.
6:40
